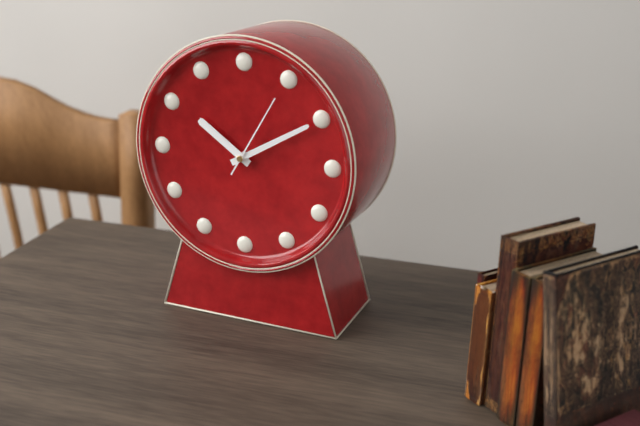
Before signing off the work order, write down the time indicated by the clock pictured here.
10:10:05
